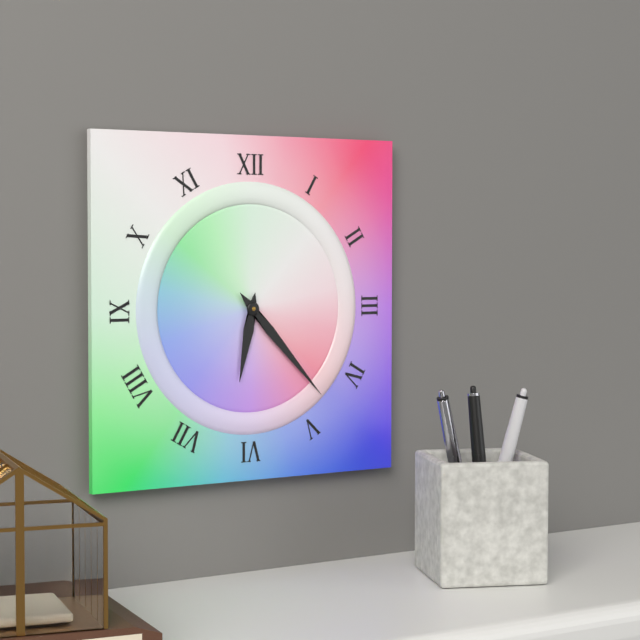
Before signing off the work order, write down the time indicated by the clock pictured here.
6:23
